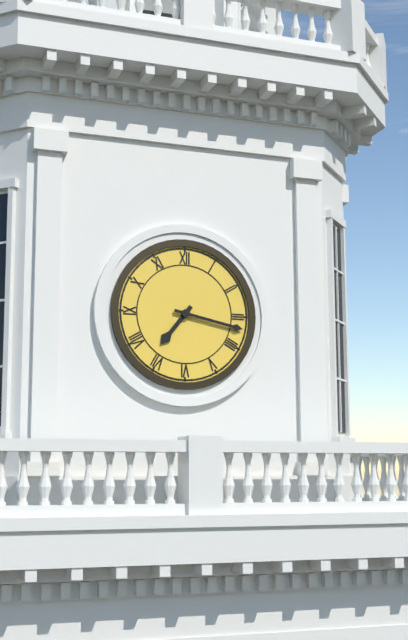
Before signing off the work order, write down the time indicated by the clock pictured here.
7:17
